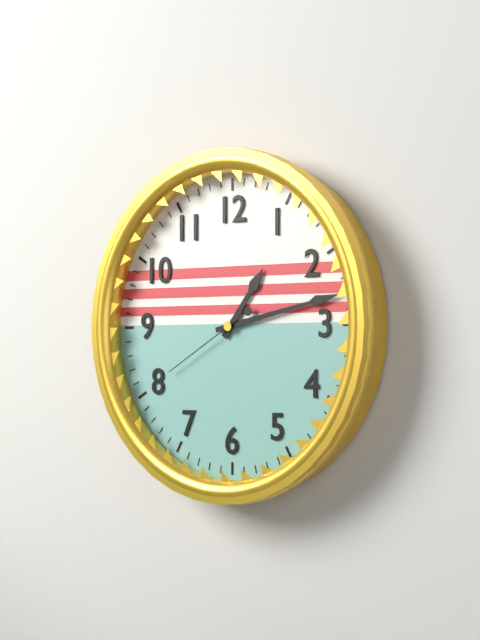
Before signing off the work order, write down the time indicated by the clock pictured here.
1:13:40
